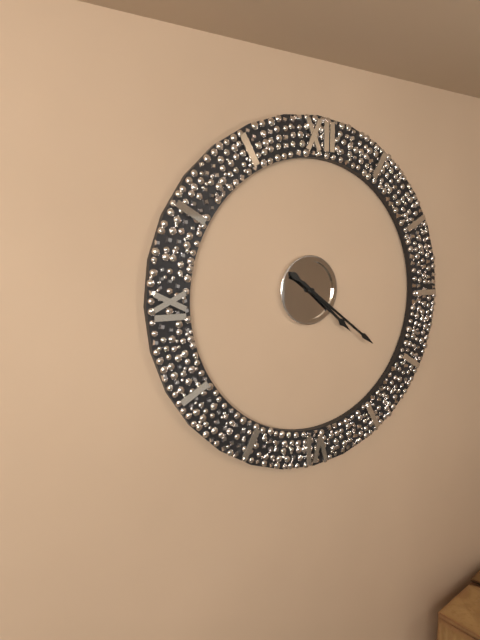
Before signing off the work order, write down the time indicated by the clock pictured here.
4:21
